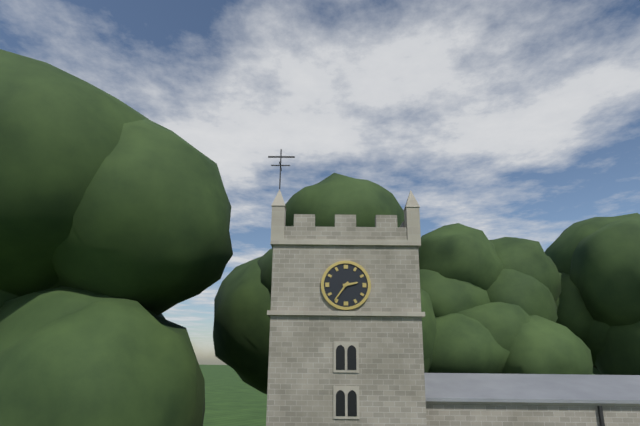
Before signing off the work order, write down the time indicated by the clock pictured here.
2:36
